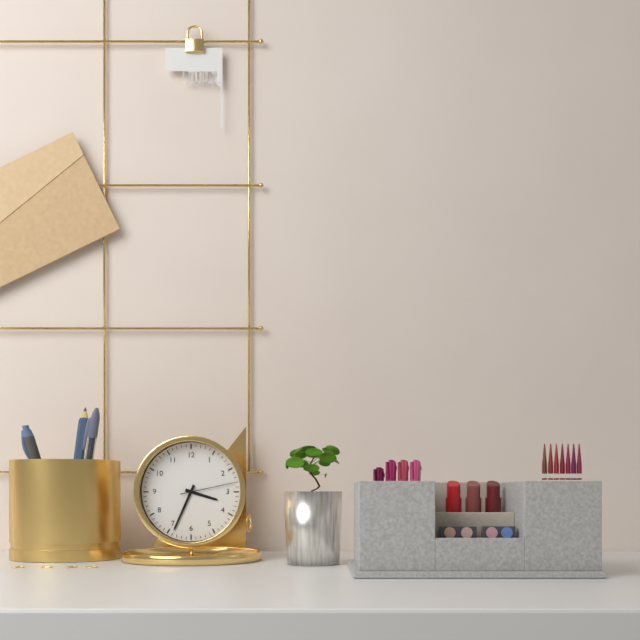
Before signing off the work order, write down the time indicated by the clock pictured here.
3:34:13
